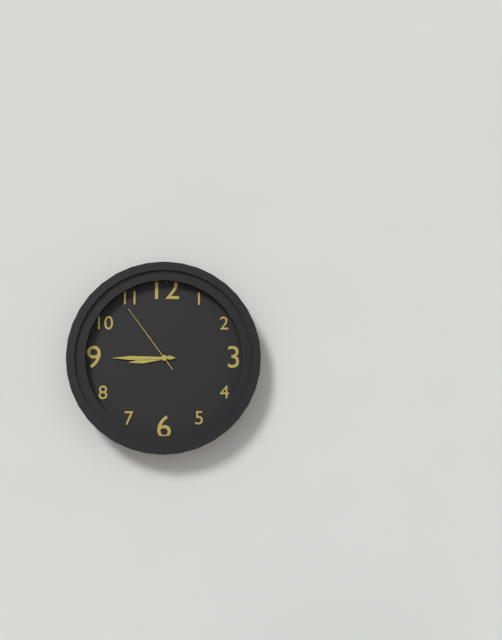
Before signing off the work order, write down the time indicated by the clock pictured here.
8:45:54
